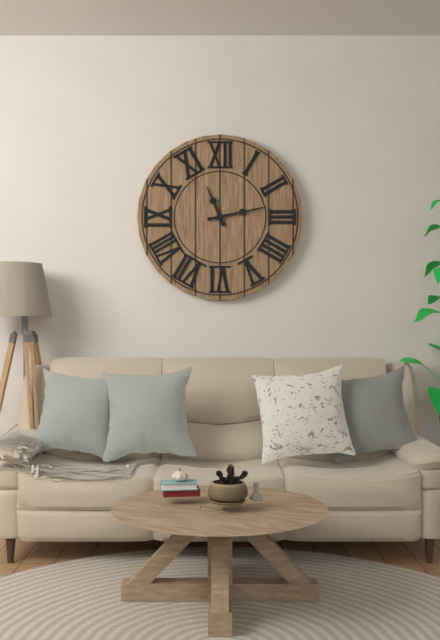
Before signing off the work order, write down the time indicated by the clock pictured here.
11:13
